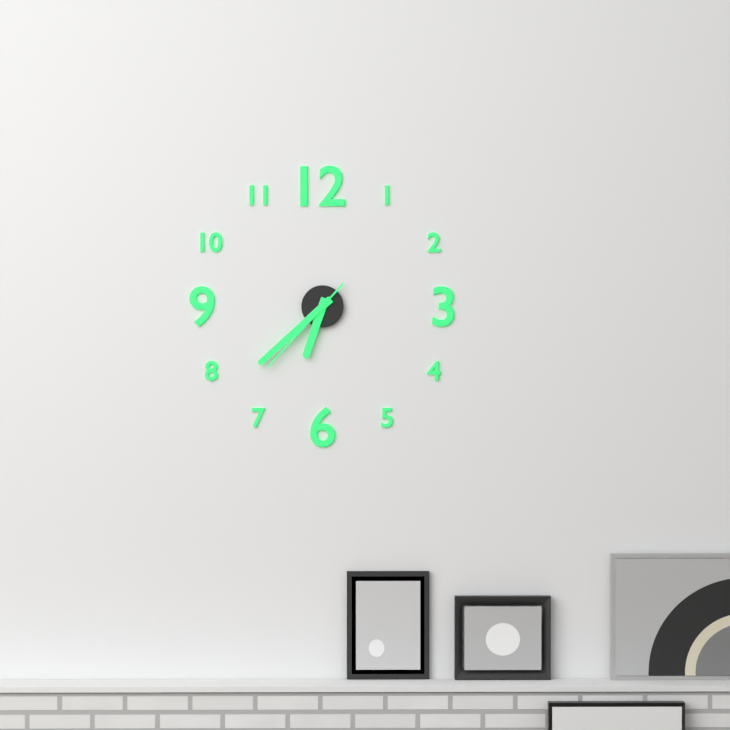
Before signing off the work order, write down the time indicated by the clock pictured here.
6:38:37
